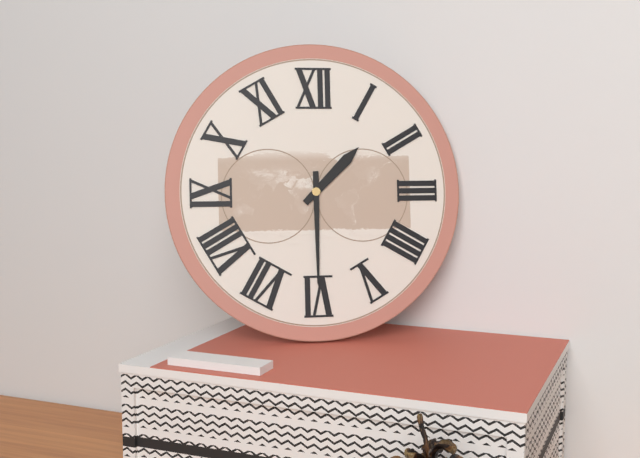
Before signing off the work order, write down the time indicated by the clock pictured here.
1:30
